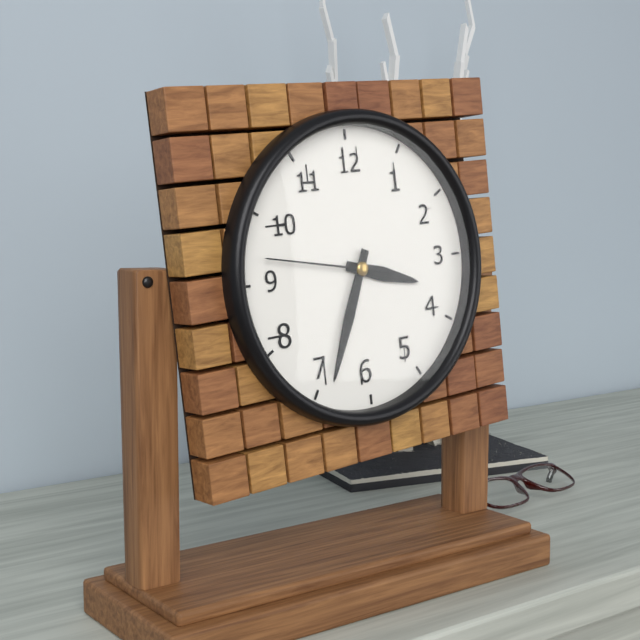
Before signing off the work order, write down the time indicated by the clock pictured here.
3:34:47
